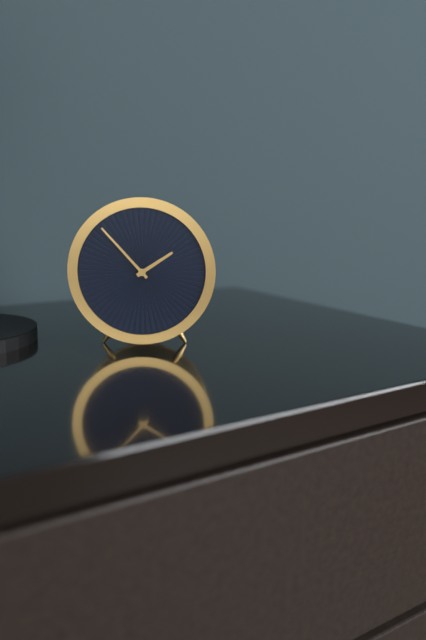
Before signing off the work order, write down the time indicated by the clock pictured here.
1:53
